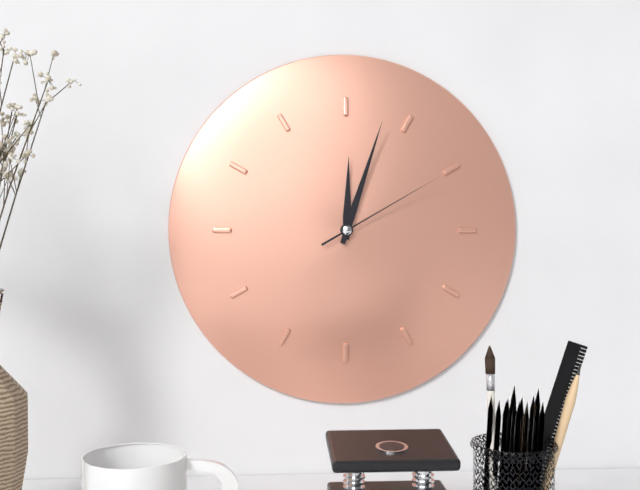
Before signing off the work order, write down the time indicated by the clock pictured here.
12:03:10
